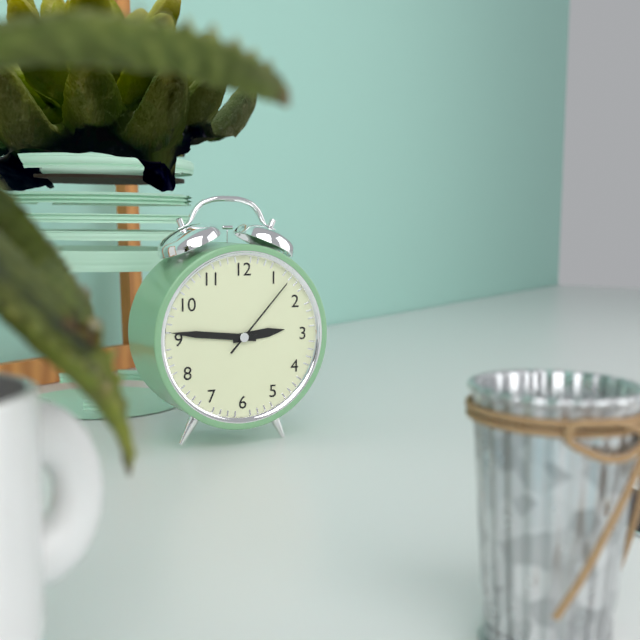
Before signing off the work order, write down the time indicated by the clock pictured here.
2:46:07
